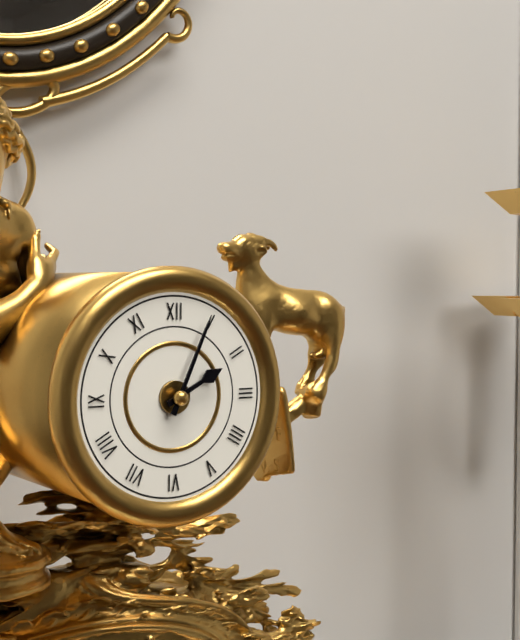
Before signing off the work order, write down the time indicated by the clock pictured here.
2:04
